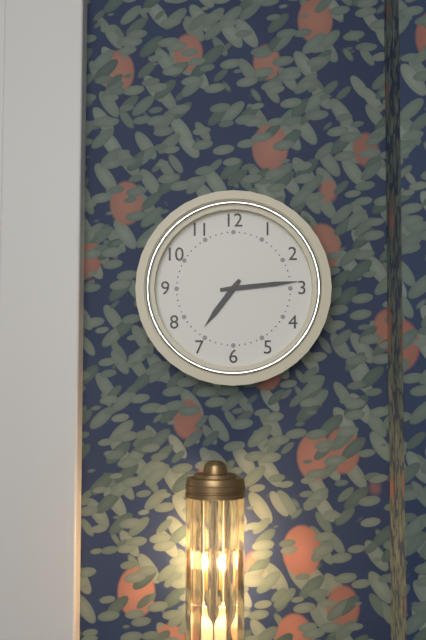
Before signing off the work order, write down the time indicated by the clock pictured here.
7:14
